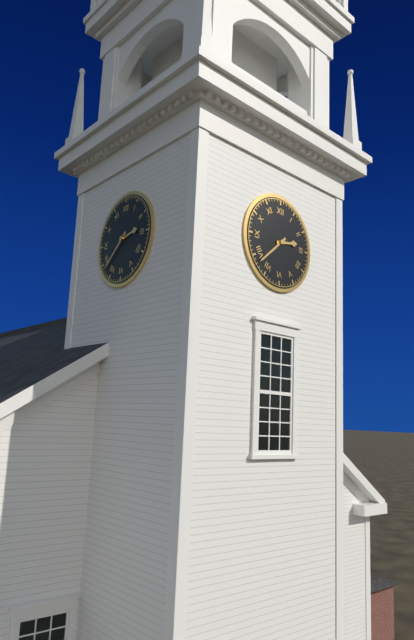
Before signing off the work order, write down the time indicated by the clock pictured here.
2:38
